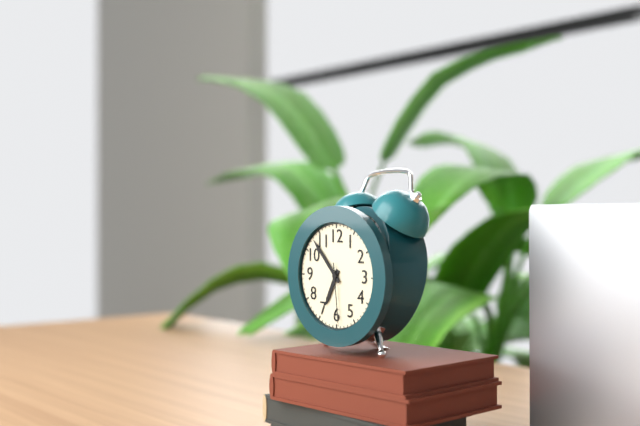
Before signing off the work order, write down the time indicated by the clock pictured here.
6:53:29
